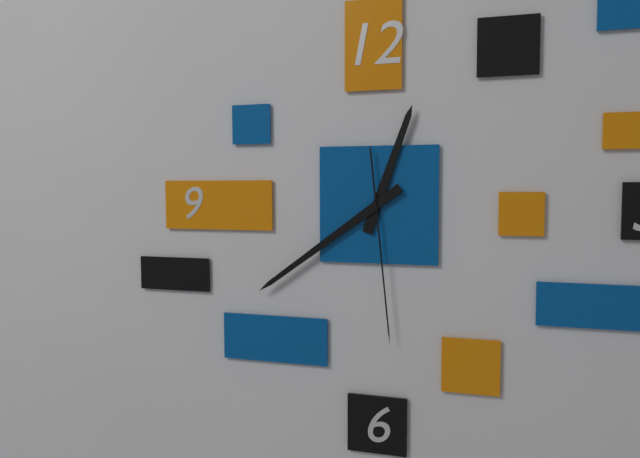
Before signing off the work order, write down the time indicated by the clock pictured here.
12:39:29
